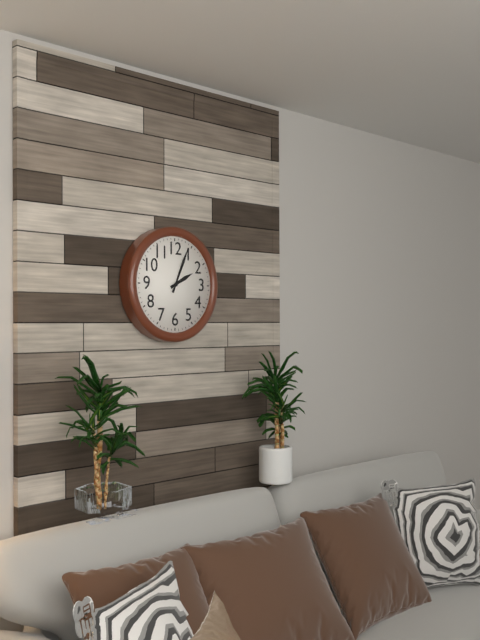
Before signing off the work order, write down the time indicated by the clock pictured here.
2:04
